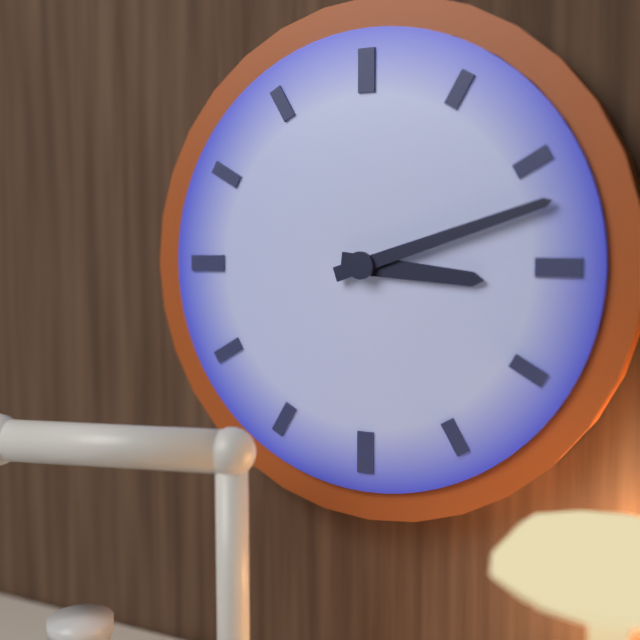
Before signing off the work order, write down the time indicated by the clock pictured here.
3:12
